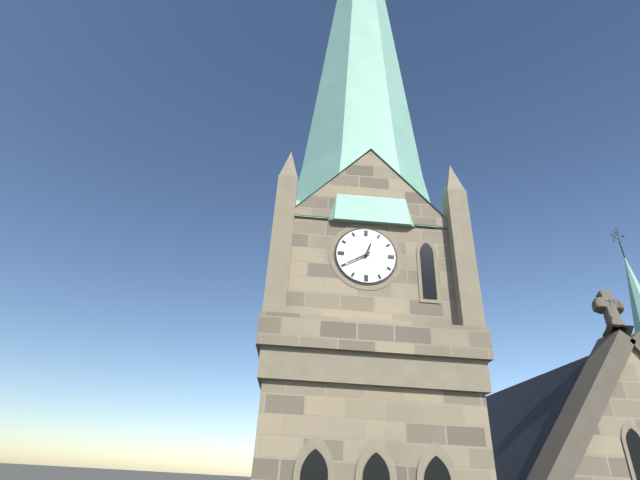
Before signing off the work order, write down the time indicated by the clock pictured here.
12:40
